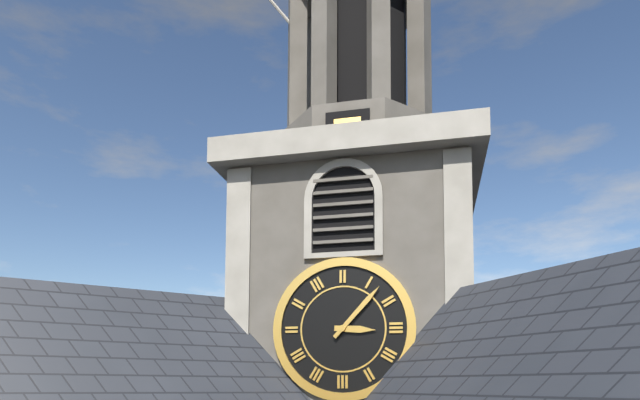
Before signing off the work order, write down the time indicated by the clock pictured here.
3:07
